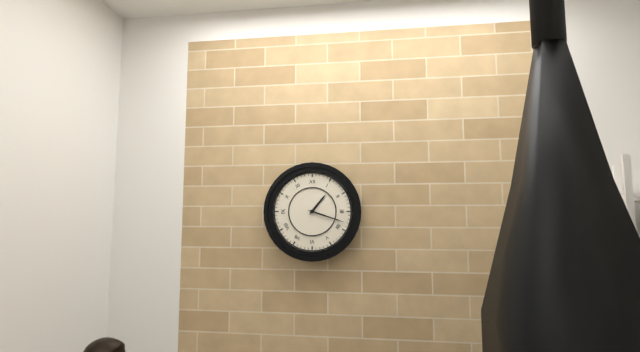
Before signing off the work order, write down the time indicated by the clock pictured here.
1:18
